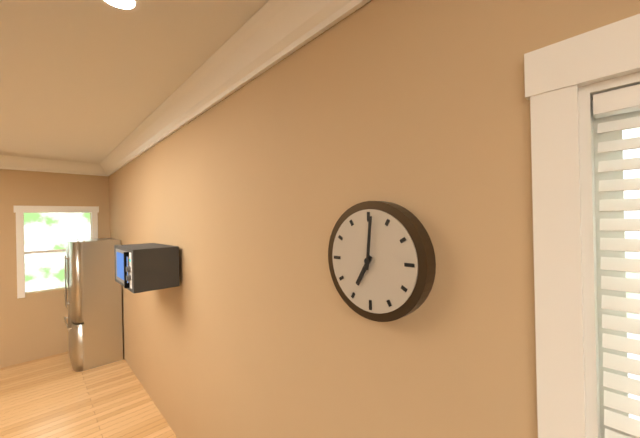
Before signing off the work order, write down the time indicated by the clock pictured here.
7:01
